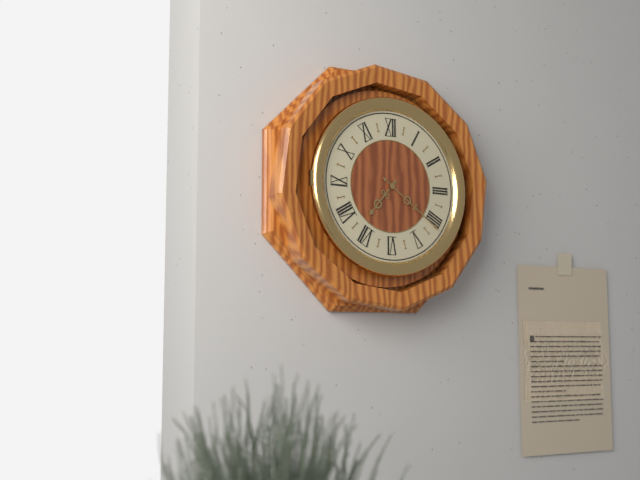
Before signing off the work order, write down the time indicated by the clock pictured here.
7:21
